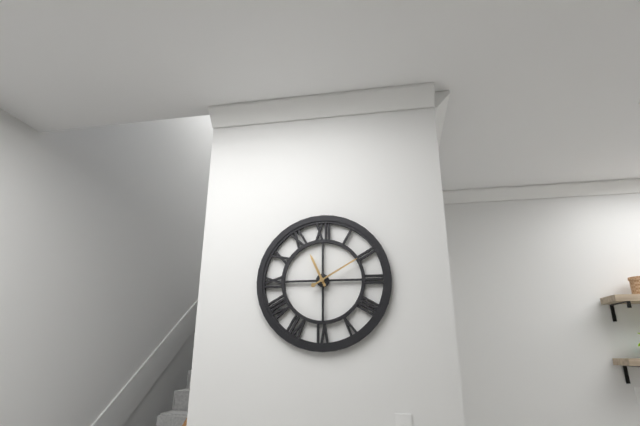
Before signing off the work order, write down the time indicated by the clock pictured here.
11:10
